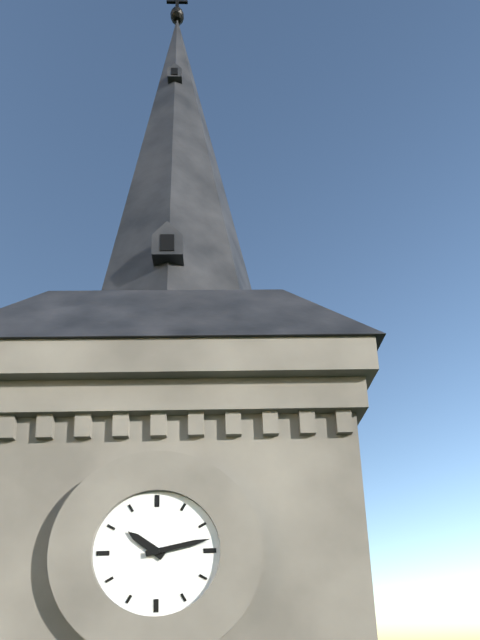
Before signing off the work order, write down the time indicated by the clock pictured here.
10:13
